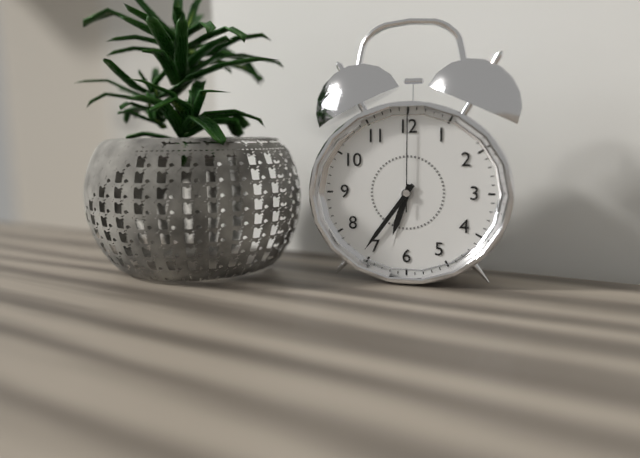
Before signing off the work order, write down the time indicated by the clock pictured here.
6:36:00
